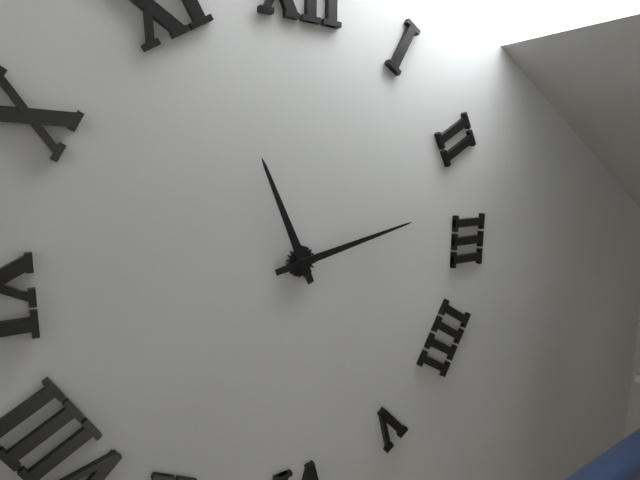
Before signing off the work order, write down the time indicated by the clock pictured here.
11:13
